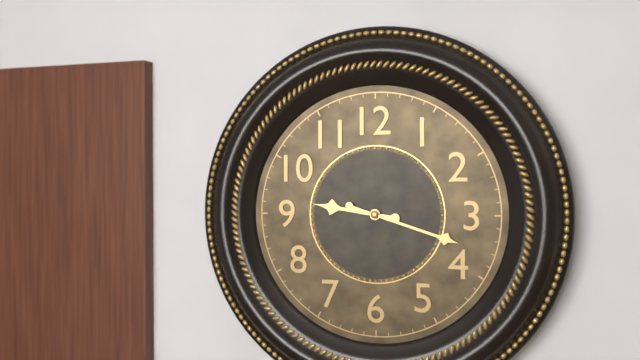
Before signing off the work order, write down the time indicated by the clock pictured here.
9:18
